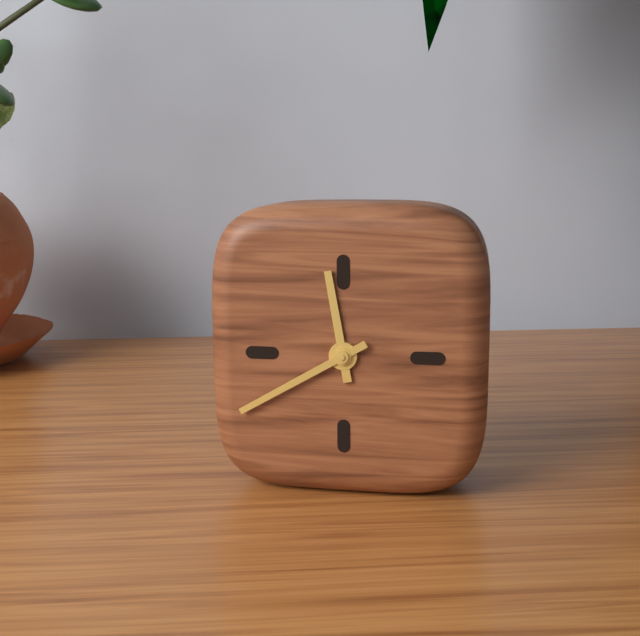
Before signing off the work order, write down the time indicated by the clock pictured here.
11:40
